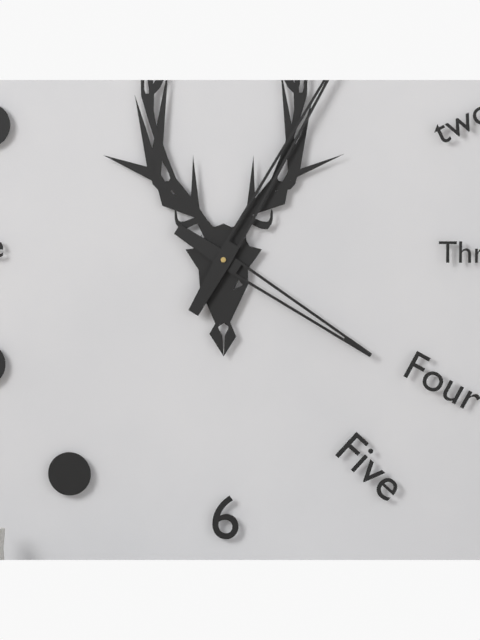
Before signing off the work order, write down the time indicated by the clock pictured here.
4:05
